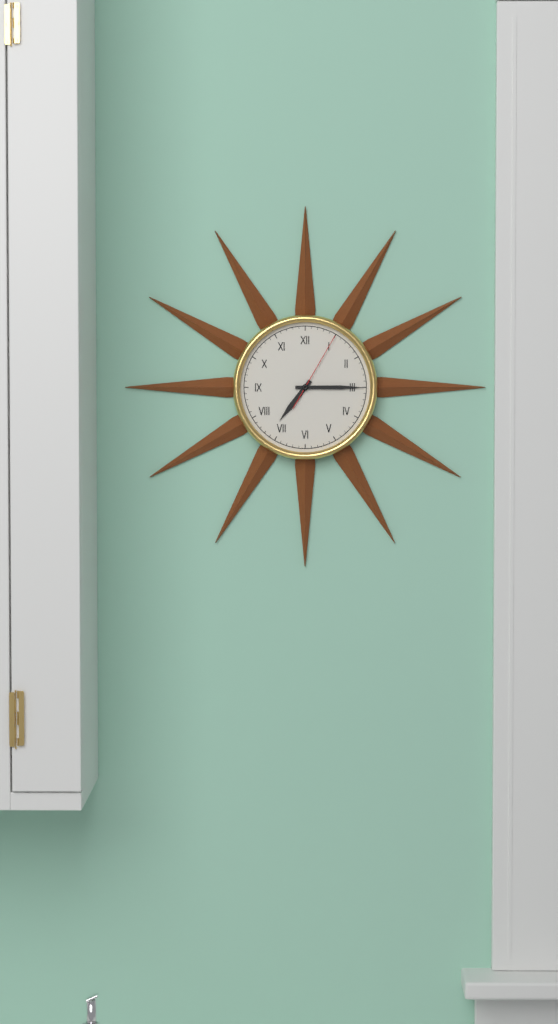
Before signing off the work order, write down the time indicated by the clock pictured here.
7:15:05
